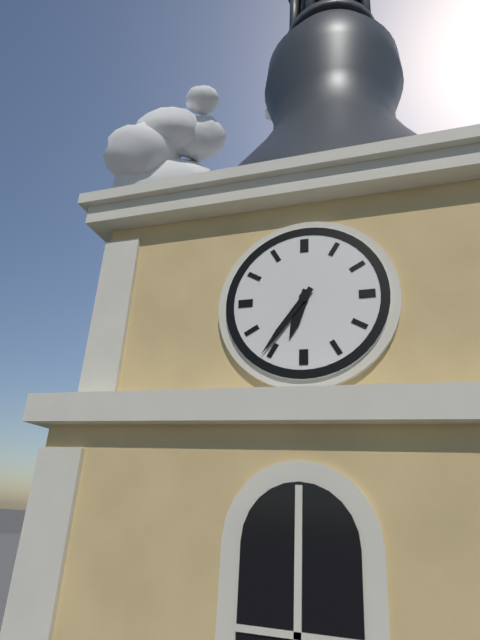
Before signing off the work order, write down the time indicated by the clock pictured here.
6:36
